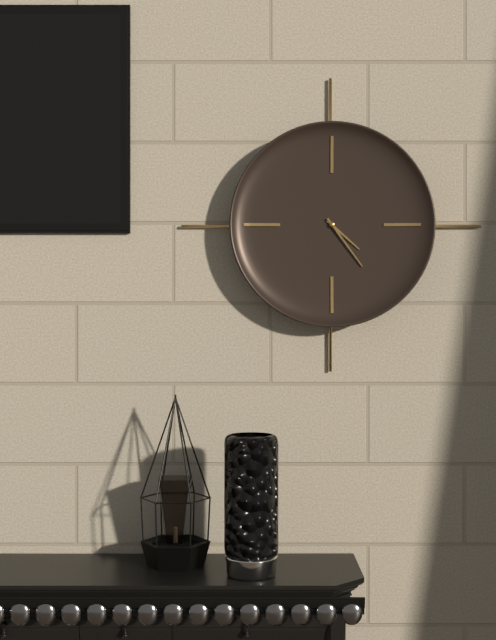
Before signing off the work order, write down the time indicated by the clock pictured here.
4:24
